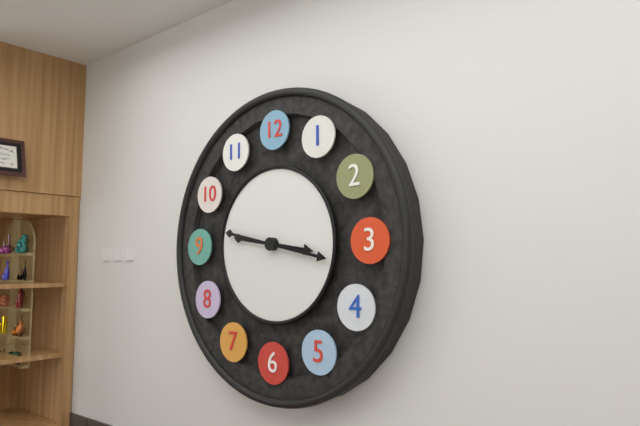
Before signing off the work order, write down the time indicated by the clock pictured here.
3:17
